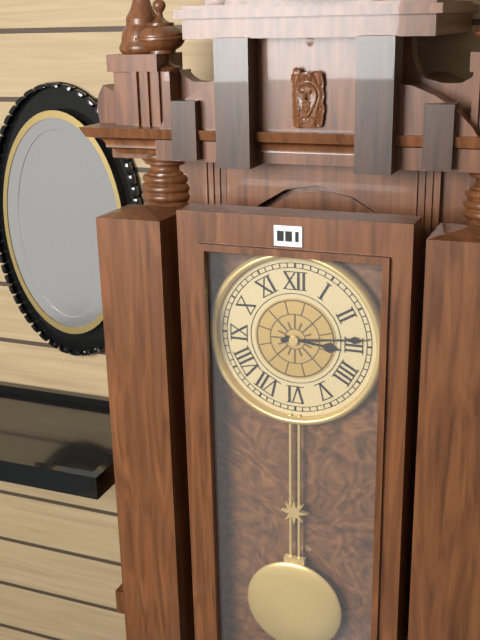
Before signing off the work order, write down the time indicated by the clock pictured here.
3:14
